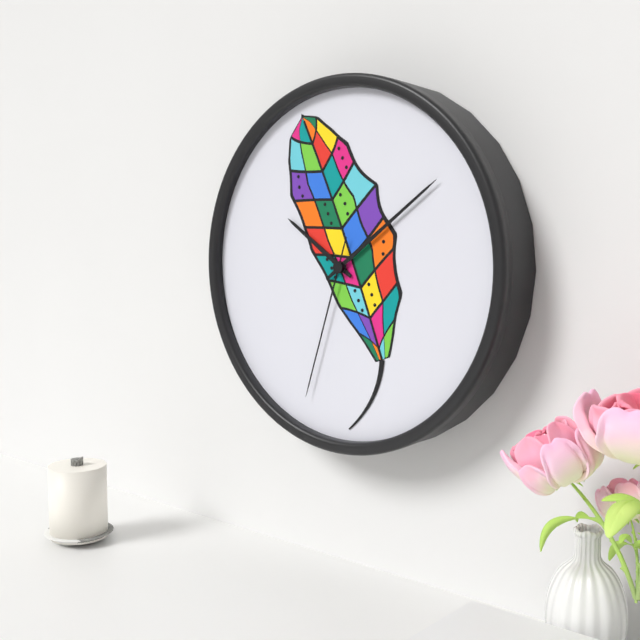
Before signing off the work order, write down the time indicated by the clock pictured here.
10:09:33
